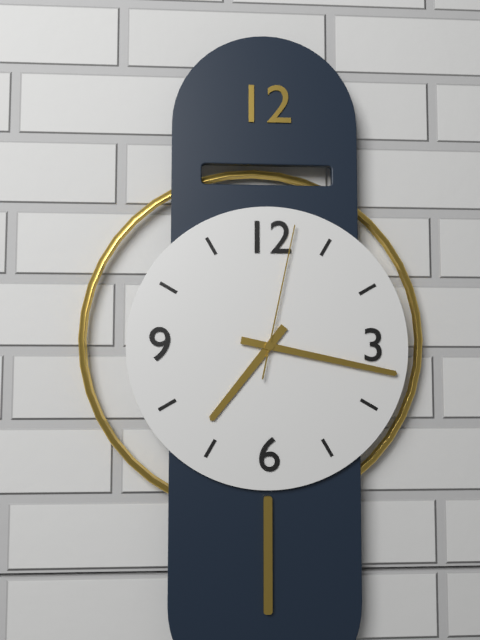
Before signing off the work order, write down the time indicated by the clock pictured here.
7:17:02
